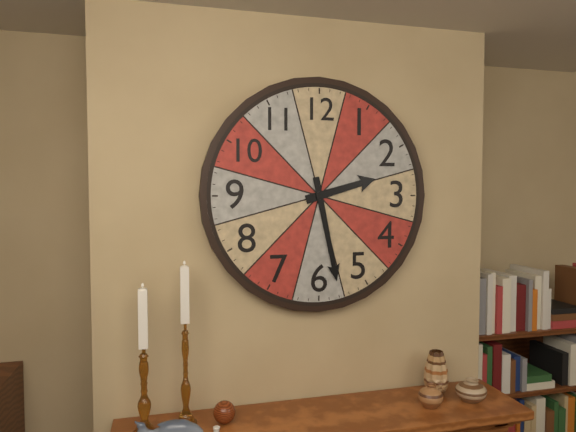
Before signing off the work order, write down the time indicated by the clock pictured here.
2:28
